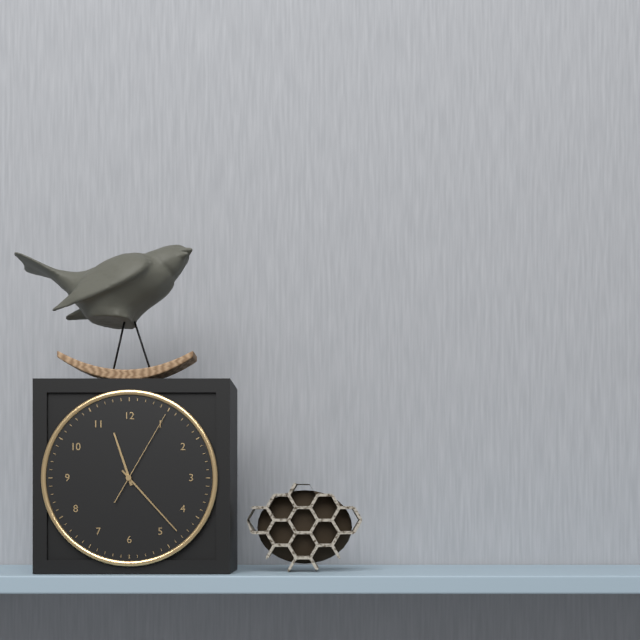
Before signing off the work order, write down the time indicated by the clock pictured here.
11:23:05
